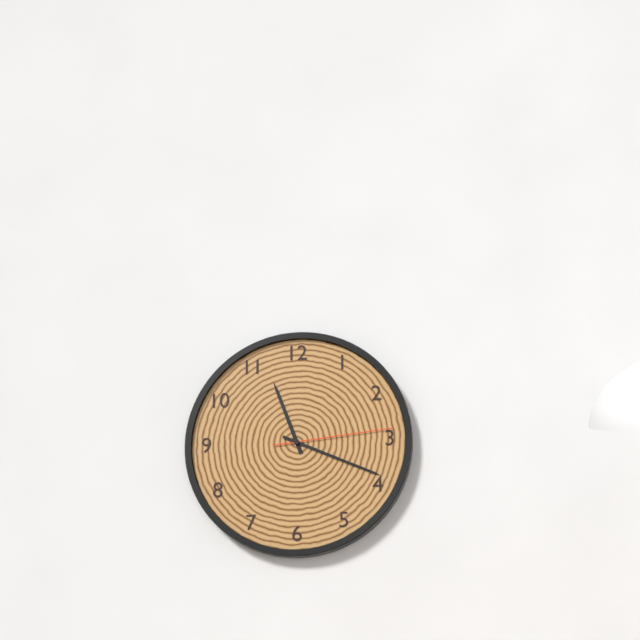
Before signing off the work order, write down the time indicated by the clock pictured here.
11:19:14
